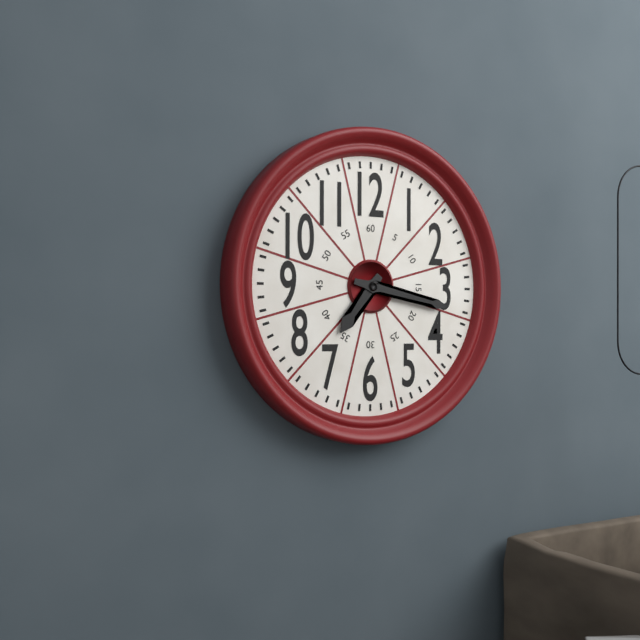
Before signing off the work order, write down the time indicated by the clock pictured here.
7:17
